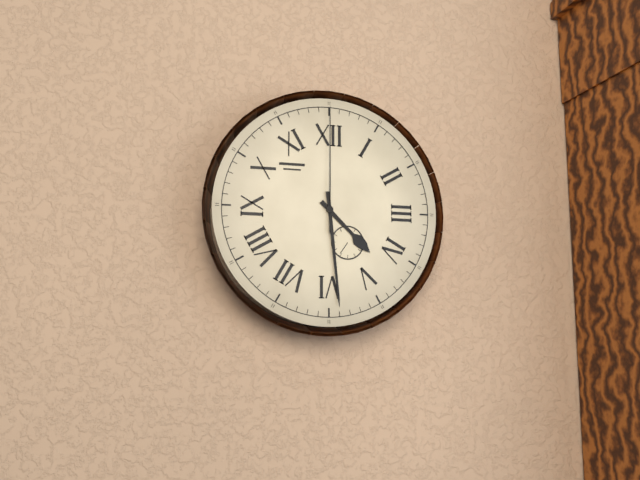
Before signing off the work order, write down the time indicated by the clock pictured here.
4:29:00
